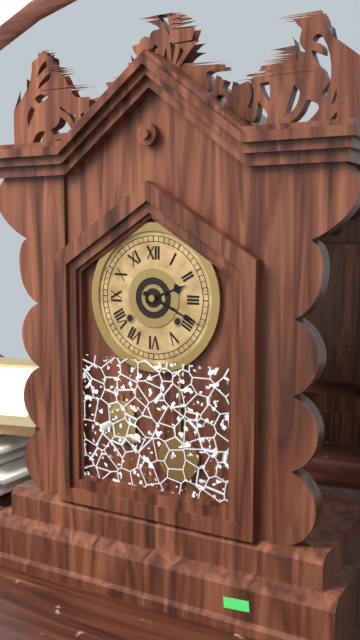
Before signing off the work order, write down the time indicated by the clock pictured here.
2:19
